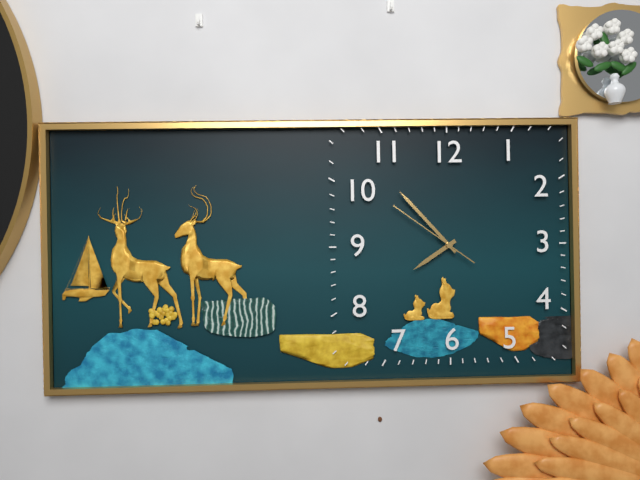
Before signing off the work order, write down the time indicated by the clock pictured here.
7:53:51
